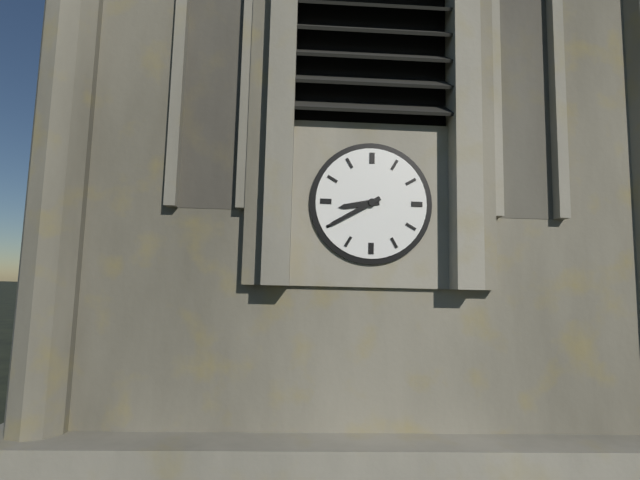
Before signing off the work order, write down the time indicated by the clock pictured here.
8:40
